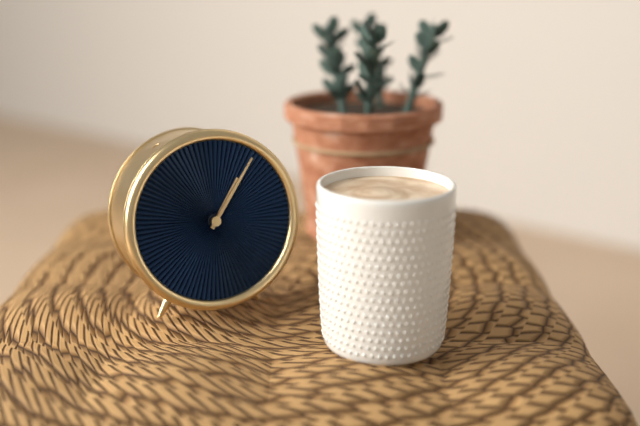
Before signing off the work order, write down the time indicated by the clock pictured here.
1:06
